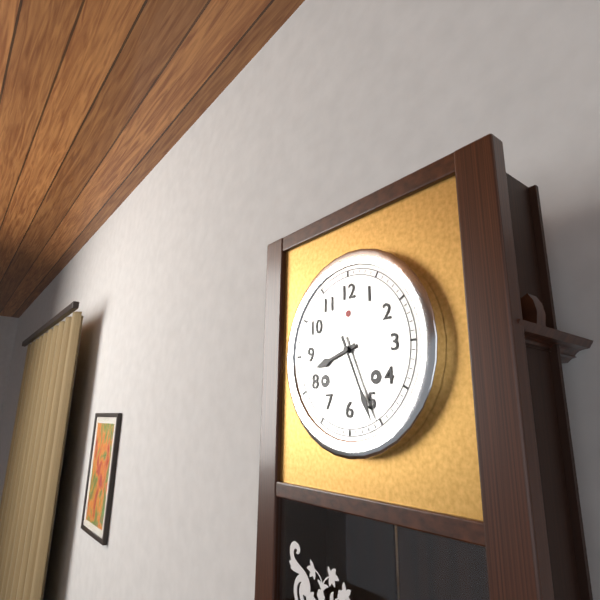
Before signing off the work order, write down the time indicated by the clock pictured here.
8:26
